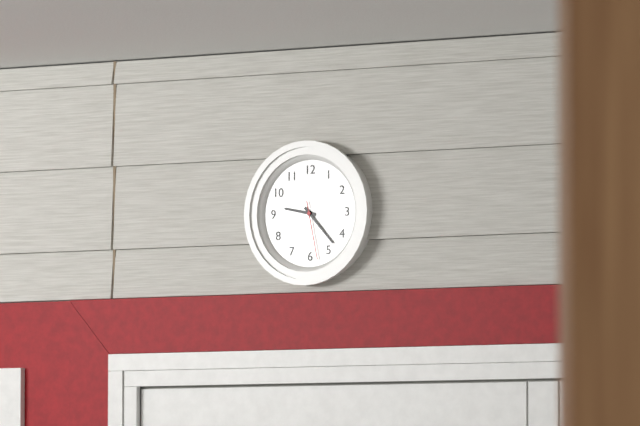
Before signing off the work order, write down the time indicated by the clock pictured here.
9:23:28
